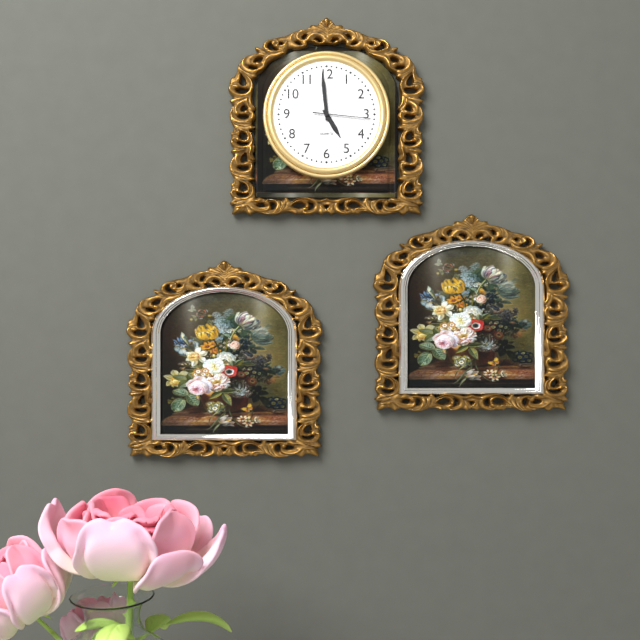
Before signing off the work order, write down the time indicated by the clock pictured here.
4:59:16
